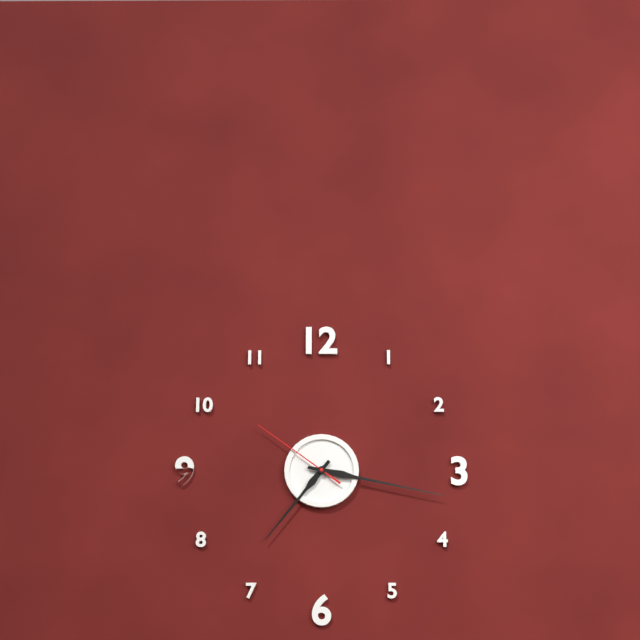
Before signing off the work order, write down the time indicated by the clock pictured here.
7:17:51
